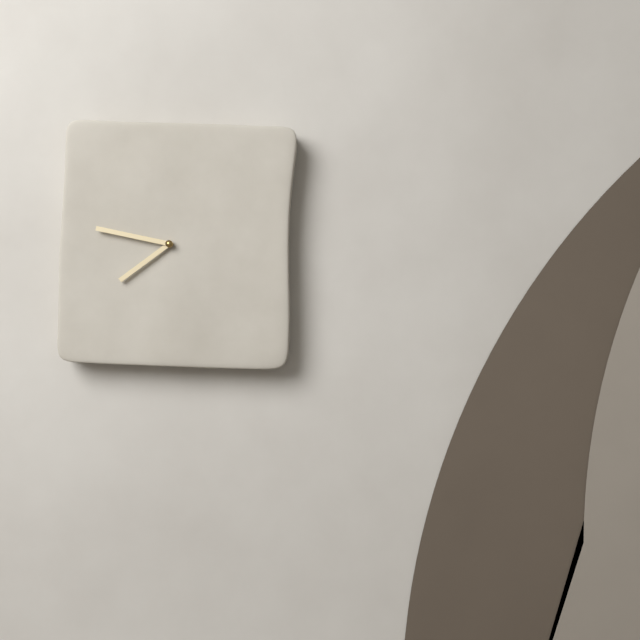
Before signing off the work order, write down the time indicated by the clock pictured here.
7:47
